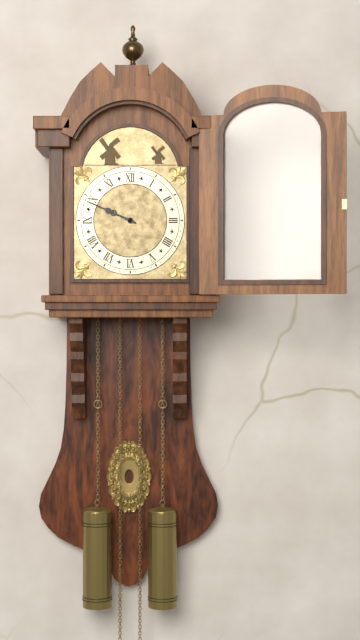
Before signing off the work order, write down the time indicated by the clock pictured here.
9:49
